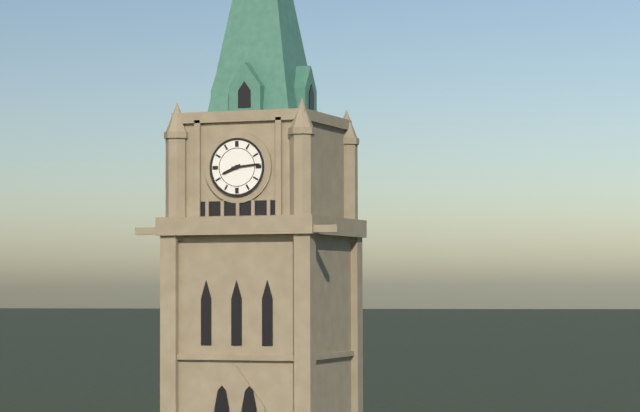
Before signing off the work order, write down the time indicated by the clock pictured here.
8:14
